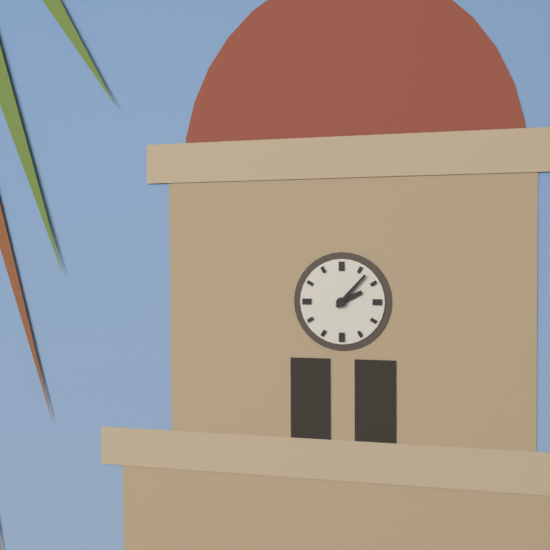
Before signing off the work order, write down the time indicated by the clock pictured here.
2:07
